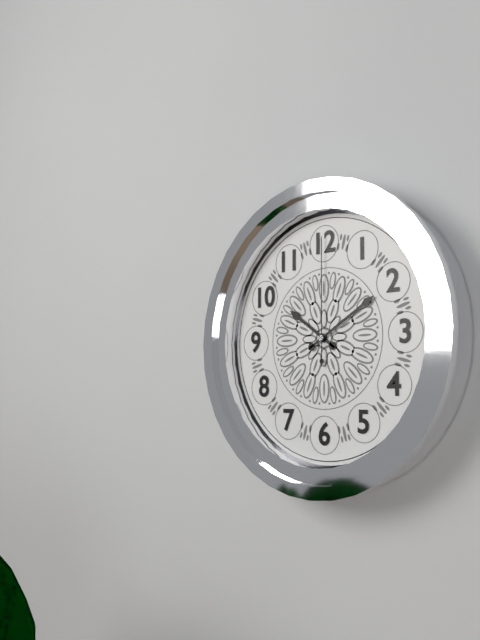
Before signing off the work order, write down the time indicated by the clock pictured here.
10:10:00
